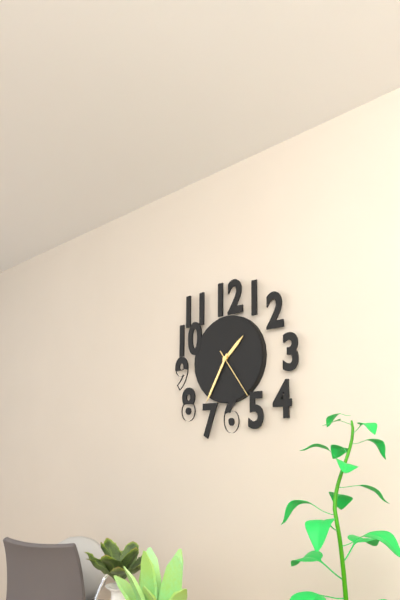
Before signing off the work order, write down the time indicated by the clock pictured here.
1:35:24
